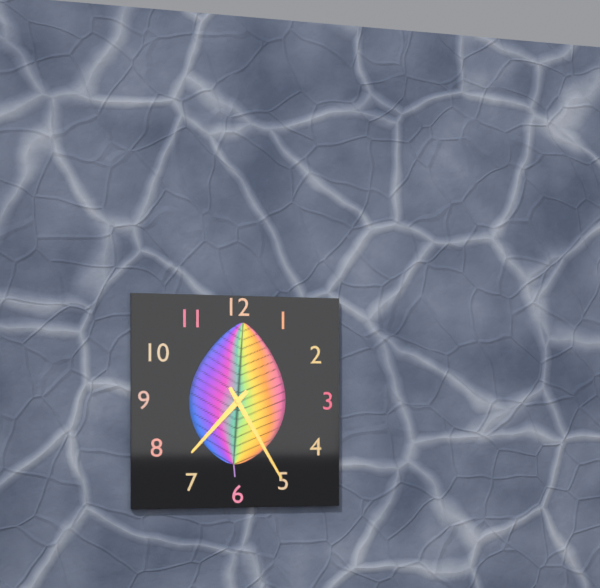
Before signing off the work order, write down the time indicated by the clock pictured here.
7:25
